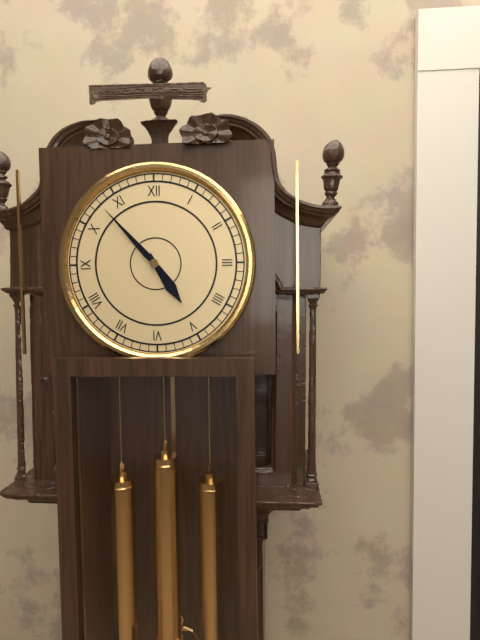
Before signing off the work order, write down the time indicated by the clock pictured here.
4:53
